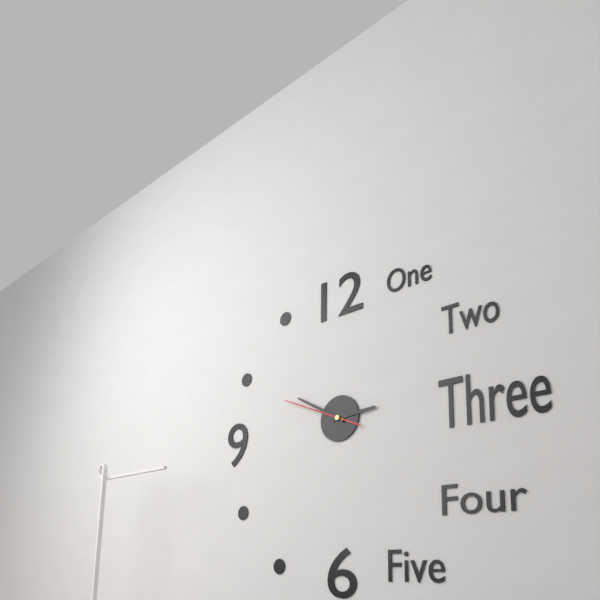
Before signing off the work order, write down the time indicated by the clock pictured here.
2:50:49
